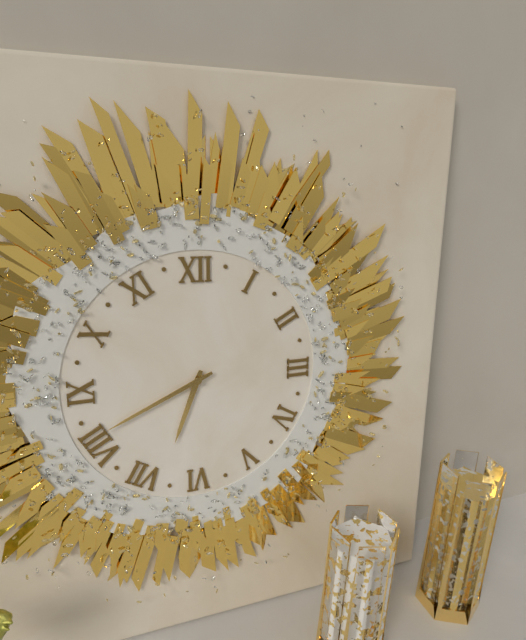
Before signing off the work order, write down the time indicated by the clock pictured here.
6:41
